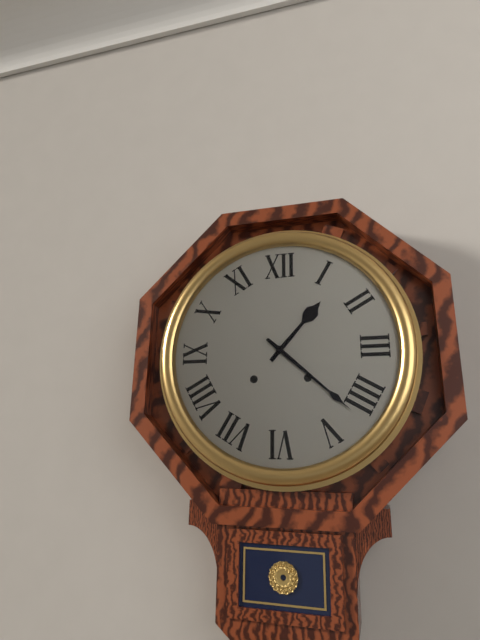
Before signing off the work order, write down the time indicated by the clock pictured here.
1:22
